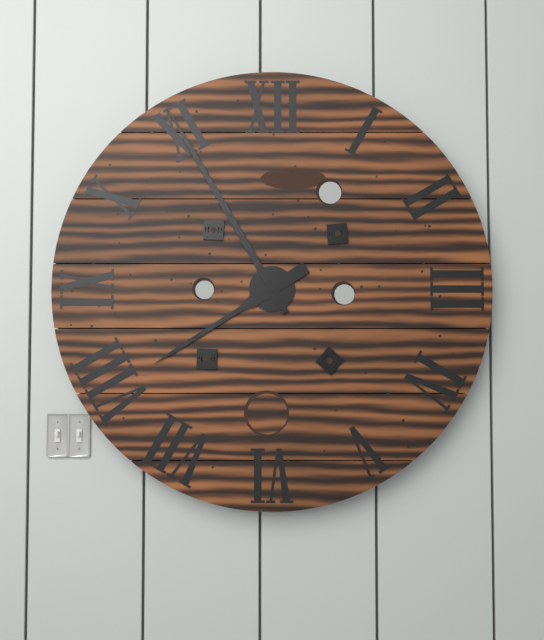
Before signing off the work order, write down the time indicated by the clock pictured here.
7:55
